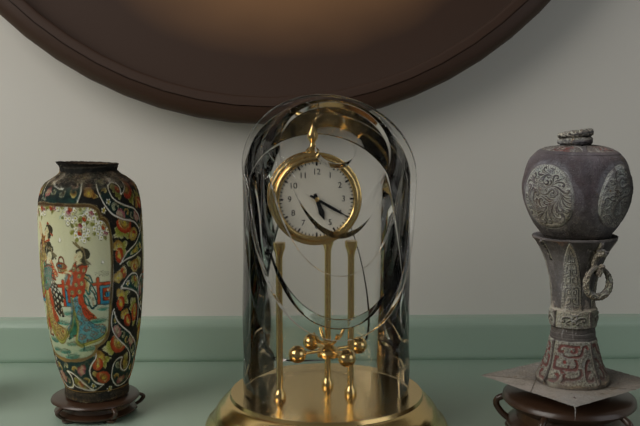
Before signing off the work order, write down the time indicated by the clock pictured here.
5:20
